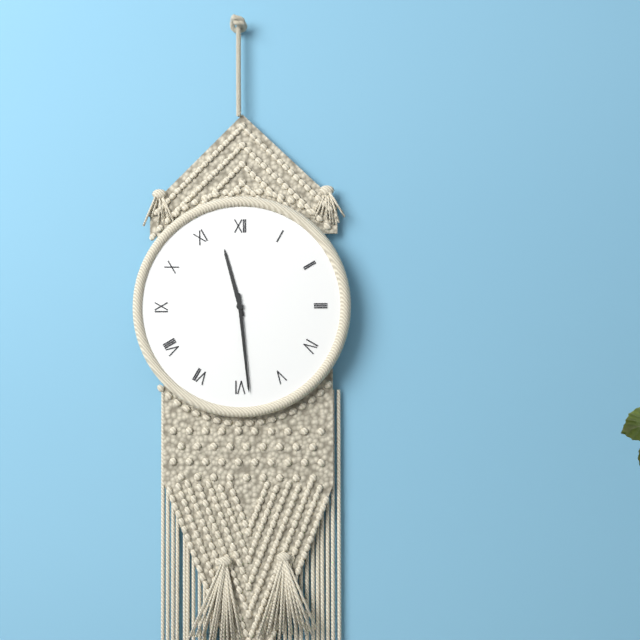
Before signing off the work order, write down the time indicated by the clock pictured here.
11:29
